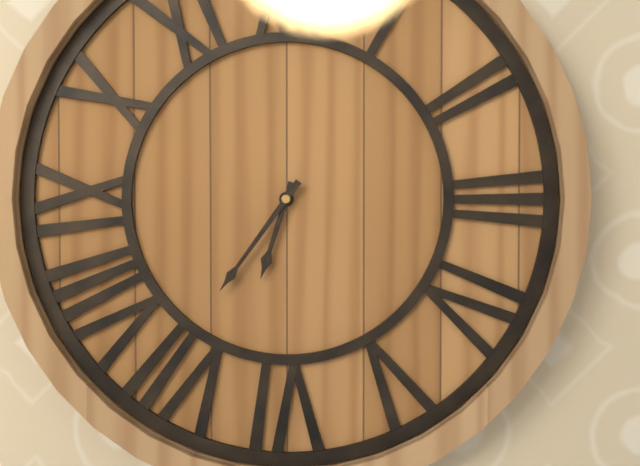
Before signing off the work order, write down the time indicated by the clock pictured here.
6:36
